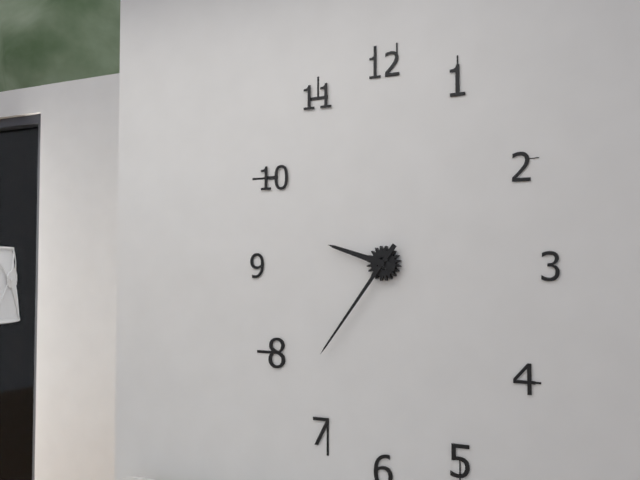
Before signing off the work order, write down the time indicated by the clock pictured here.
9:36
